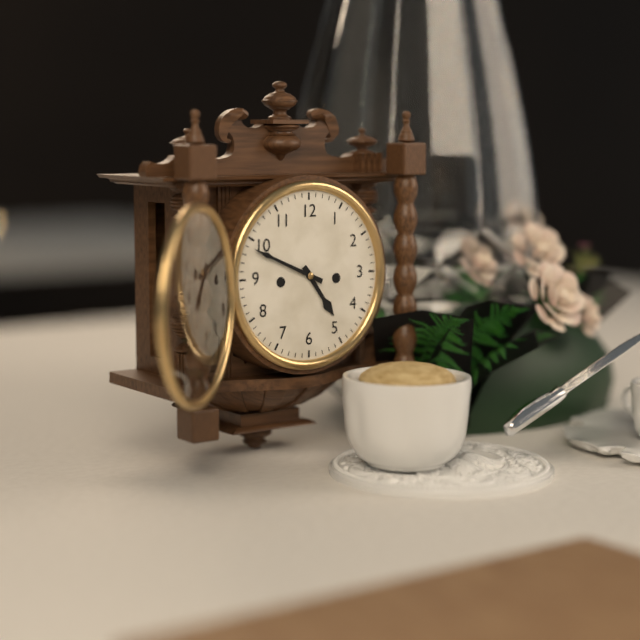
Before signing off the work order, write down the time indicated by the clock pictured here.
4:49
